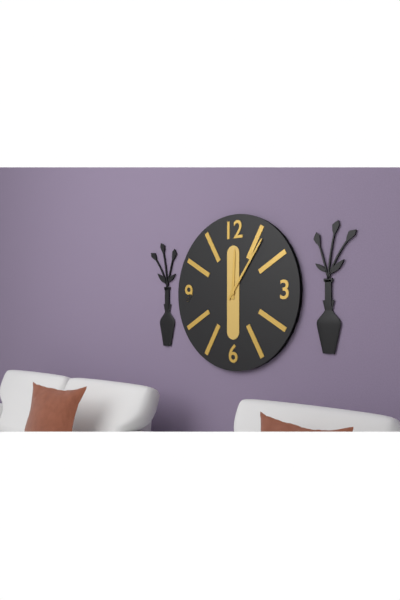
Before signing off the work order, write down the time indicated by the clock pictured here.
12:06
